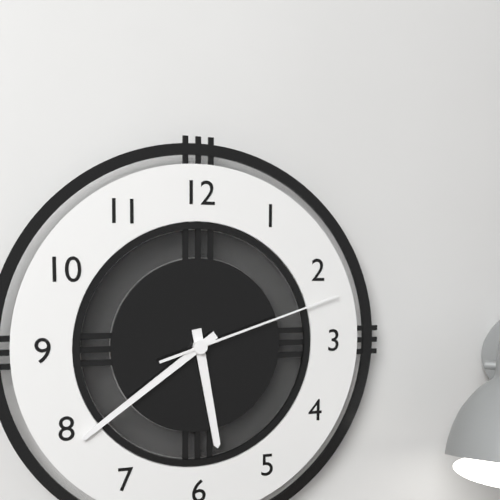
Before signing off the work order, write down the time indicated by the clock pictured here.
5:39:12
